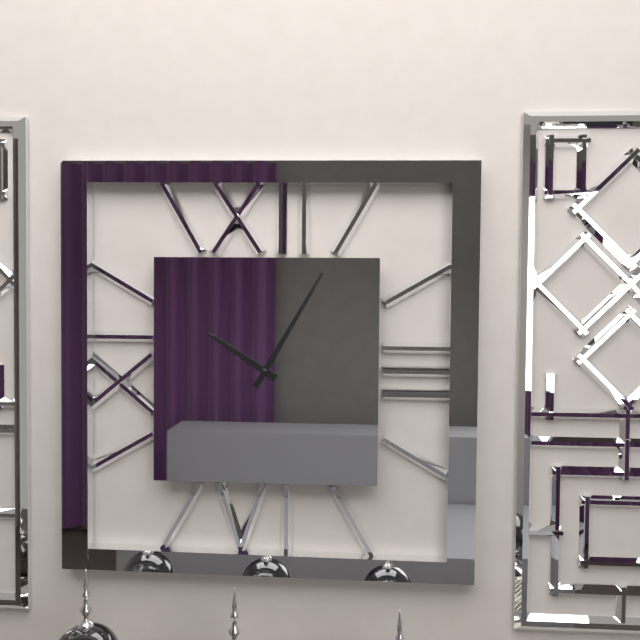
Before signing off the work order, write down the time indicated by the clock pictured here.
10:05
